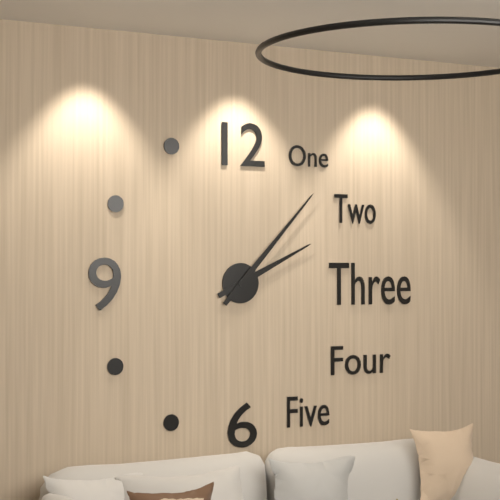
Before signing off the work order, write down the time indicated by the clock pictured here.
2:07
